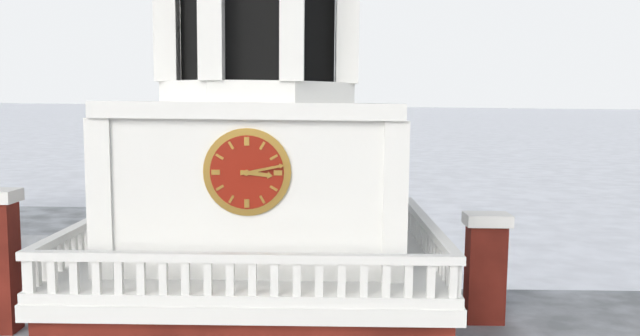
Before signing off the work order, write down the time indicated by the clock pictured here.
3:13
